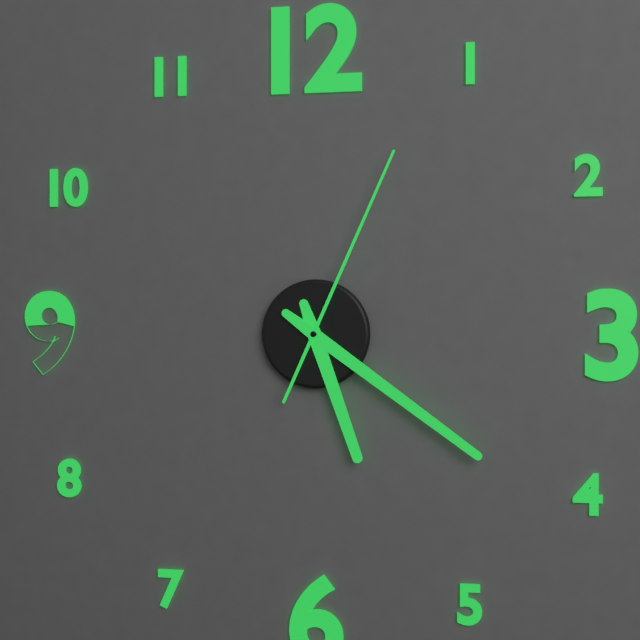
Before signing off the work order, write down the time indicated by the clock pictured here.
5:21:04
